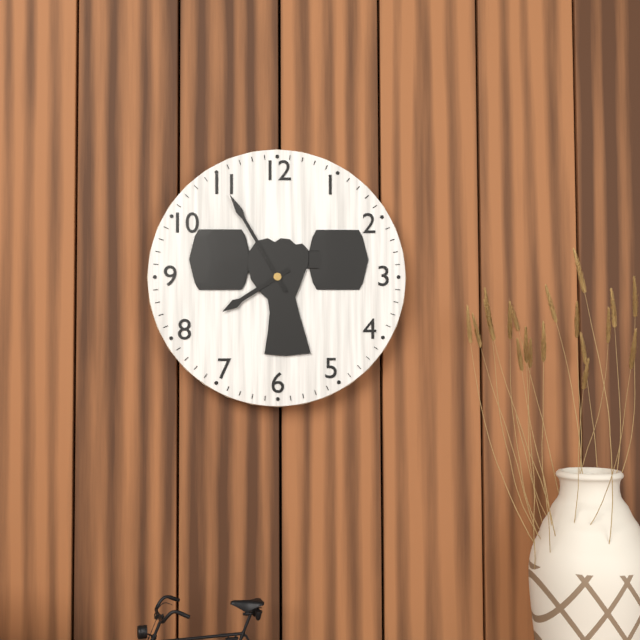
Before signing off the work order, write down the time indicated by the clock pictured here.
7:55
